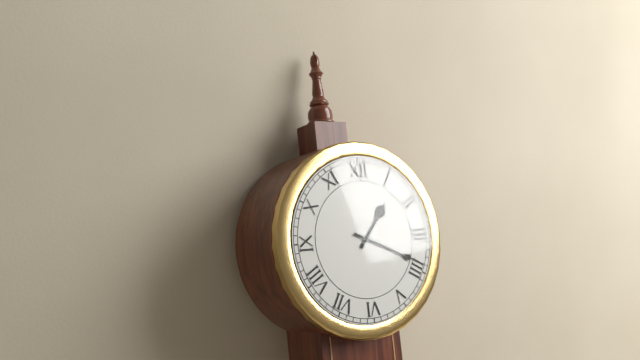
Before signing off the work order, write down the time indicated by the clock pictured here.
1:19
